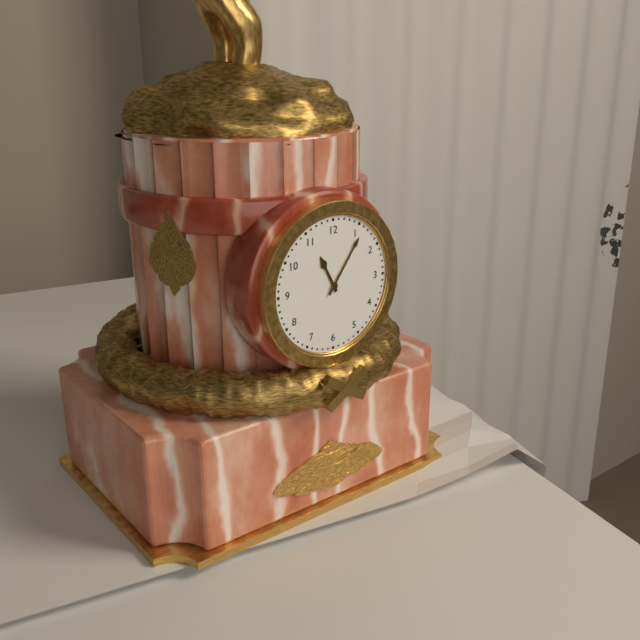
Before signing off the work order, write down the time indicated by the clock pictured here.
11:06
